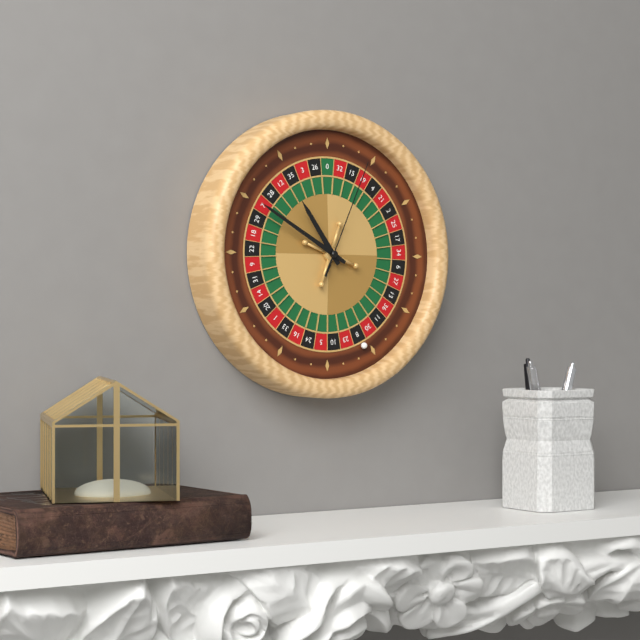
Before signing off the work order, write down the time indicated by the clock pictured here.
10:50:04
